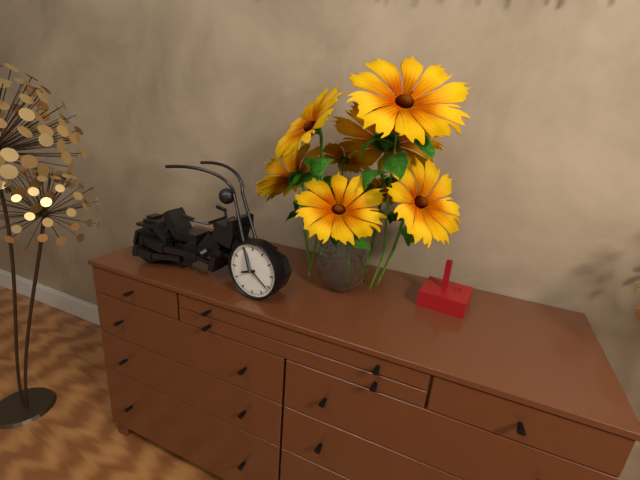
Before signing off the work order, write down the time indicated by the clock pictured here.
8:21
